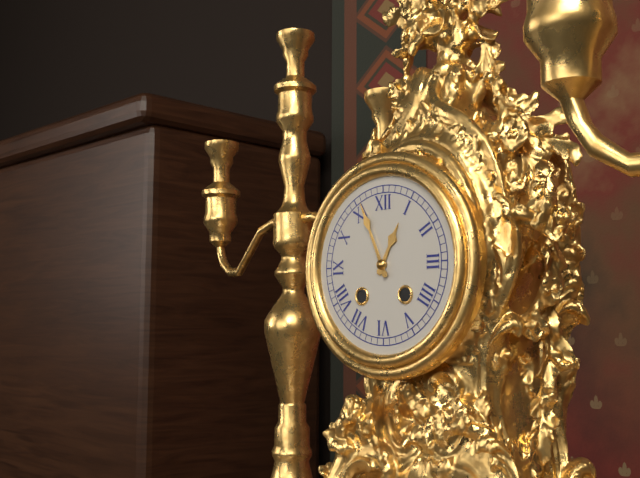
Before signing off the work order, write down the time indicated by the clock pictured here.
12:56
